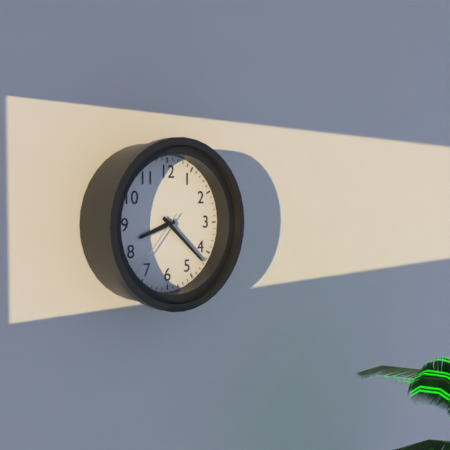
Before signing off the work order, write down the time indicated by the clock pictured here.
8:22:37
